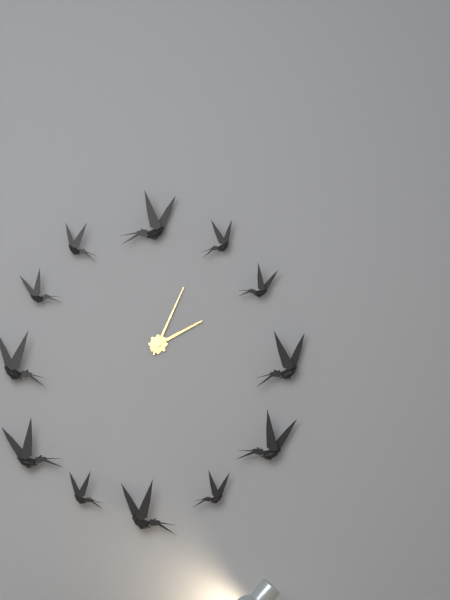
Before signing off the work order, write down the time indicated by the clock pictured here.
2:04
